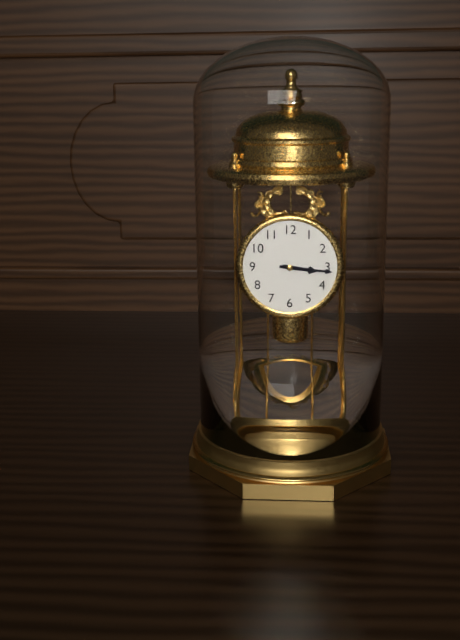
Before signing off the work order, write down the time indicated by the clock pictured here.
3:16
